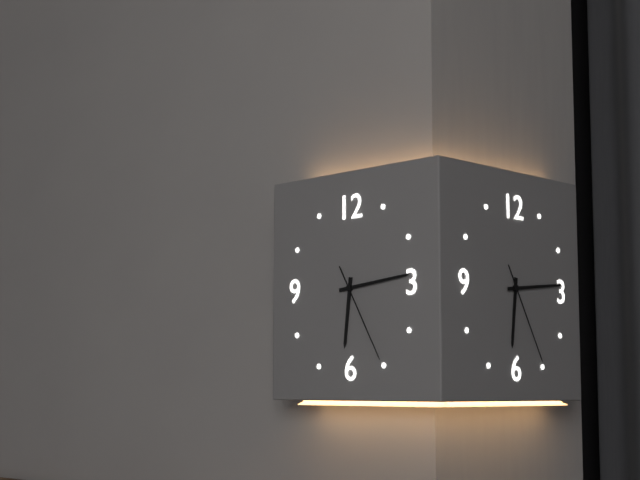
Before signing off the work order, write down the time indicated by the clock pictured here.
6:14:25
